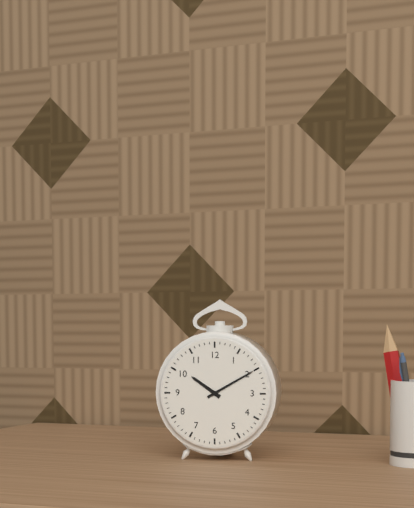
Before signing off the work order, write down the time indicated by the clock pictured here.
10:10
